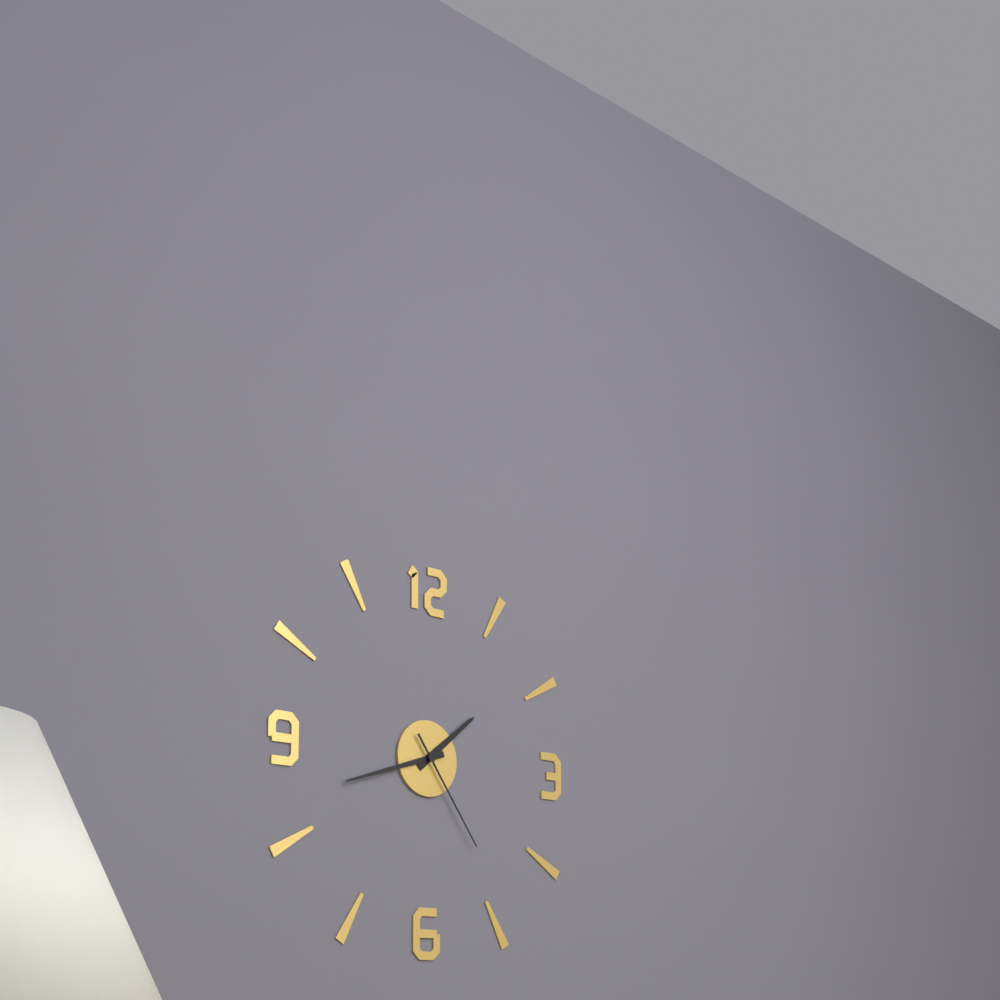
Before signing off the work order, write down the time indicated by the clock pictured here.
1:42:24
